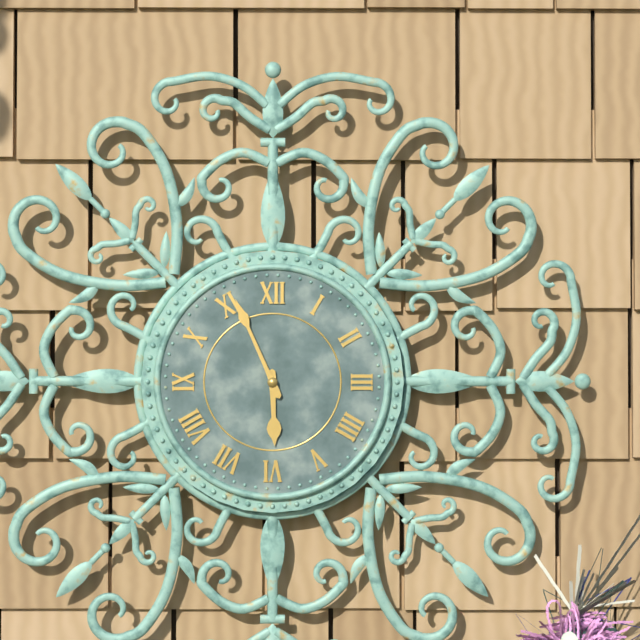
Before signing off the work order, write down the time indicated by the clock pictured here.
5:56
